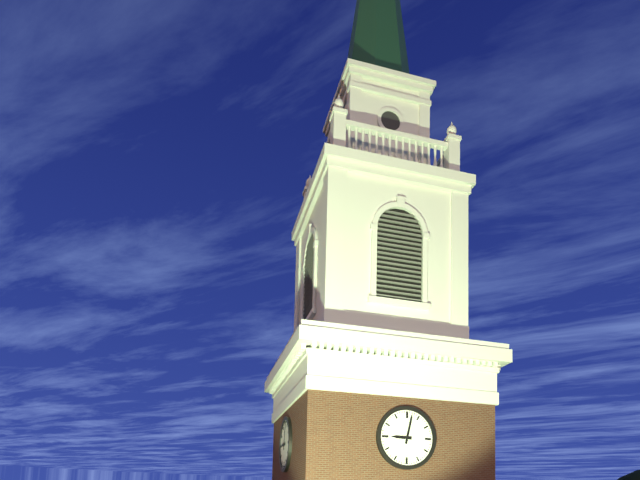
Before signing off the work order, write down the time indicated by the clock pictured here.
9:02
